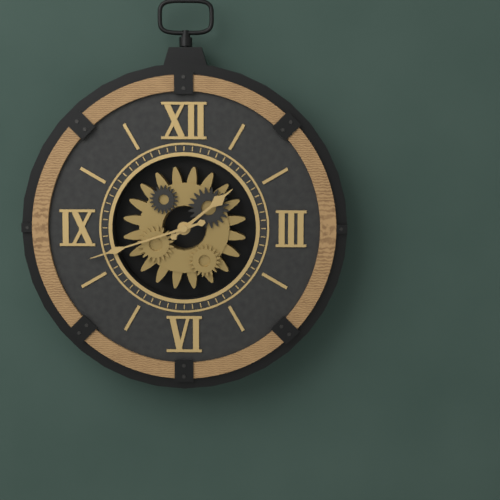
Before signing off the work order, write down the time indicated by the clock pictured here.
1:42
